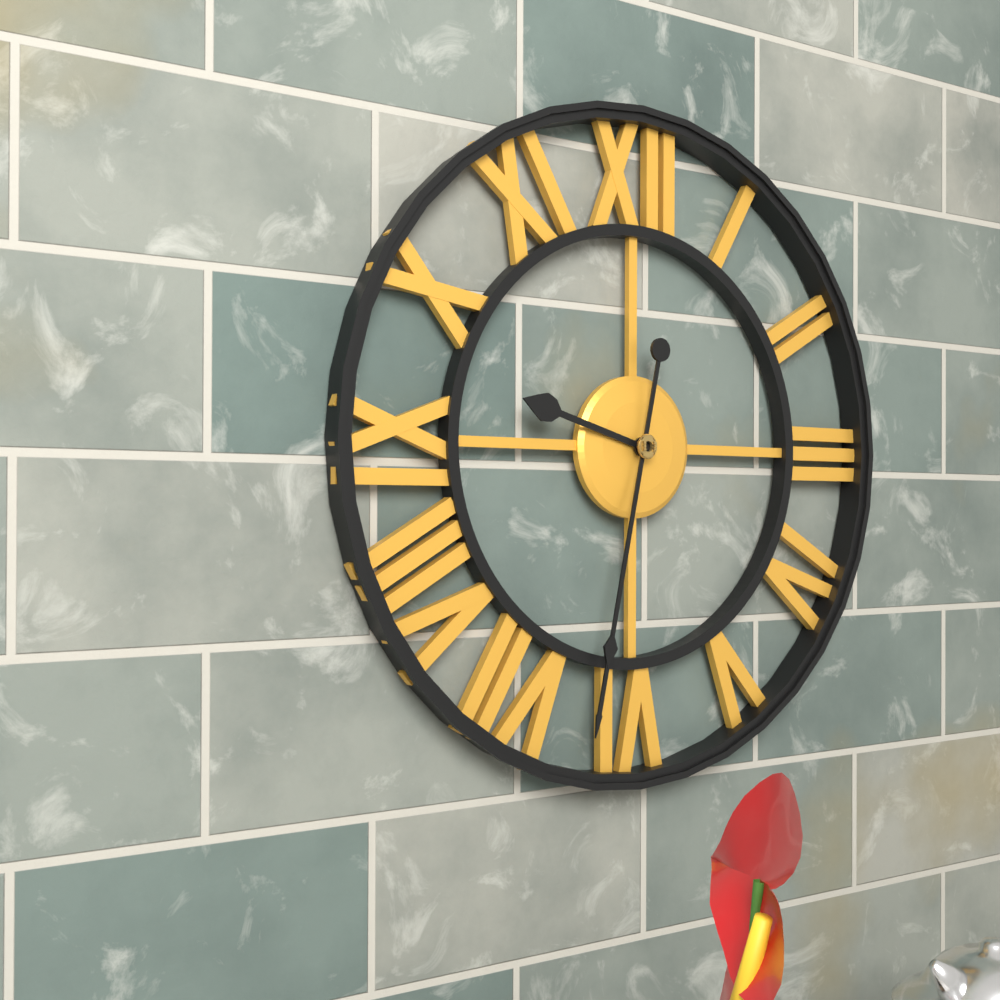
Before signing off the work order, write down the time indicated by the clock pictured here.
9:32
